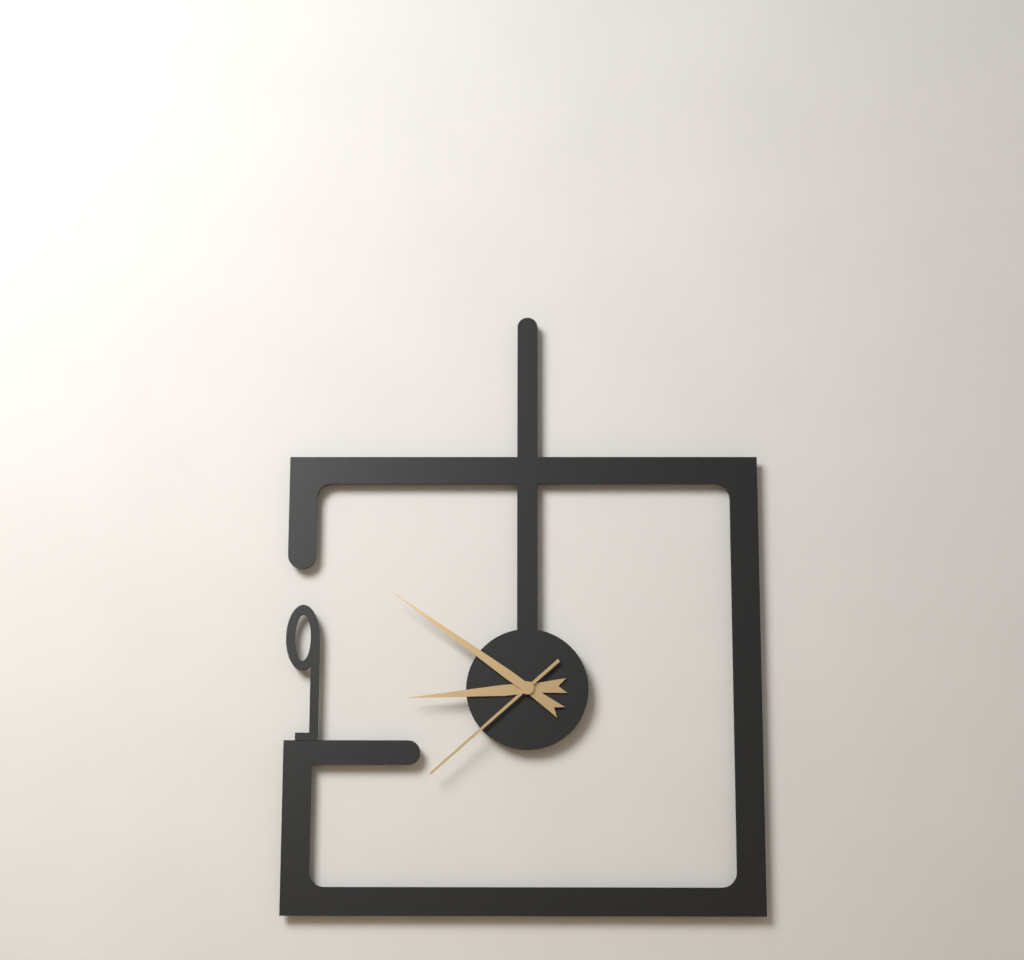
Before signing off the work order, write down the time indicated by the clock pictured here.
8:51:38
